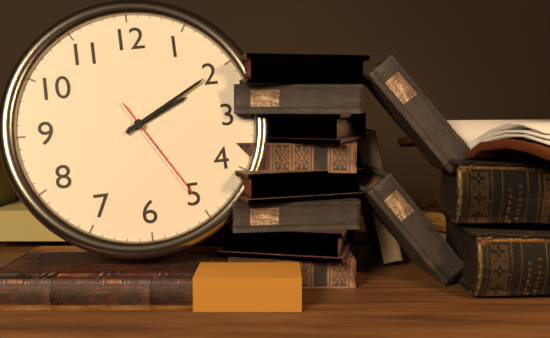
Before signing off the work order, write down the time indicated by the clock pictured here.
2:10:25
